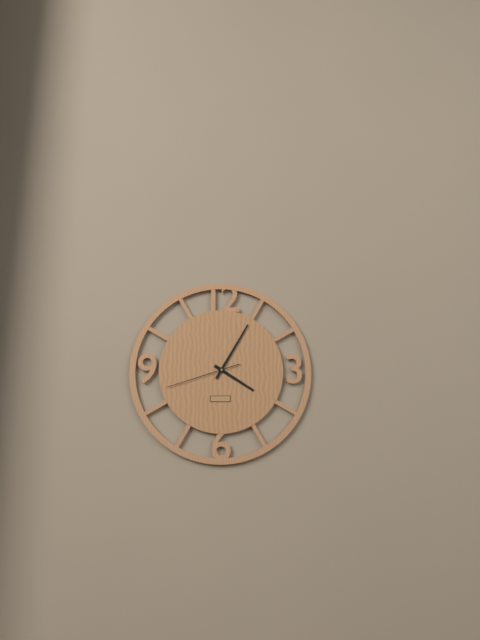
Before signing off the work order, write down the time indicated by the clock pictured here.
4:05:42
